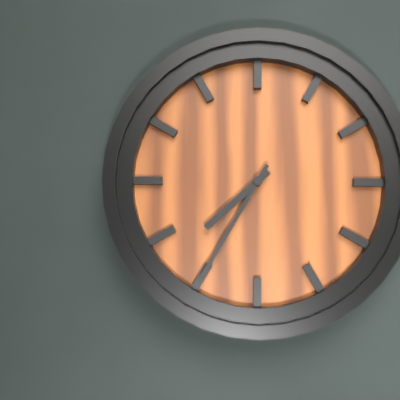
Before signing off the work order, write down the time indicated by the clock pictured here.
7:35
